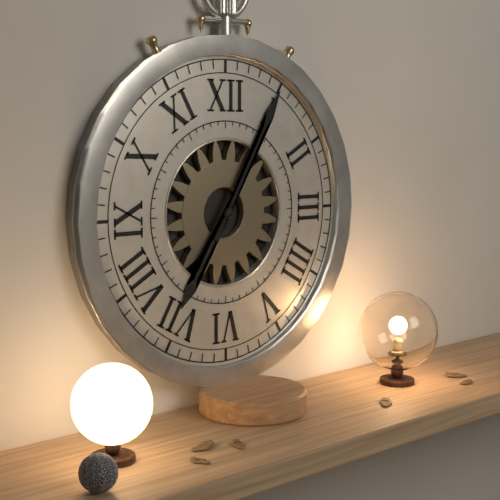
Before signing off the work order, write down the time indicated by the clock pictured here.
7:05
